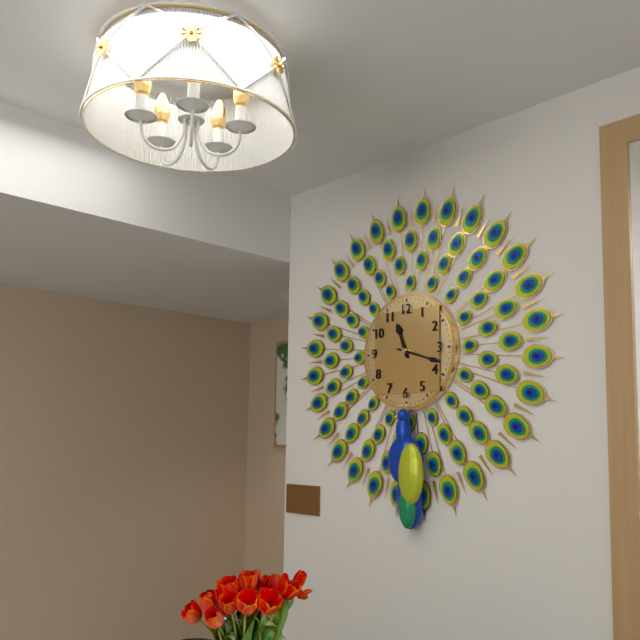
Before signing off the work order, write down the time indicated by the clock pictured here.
11:18
